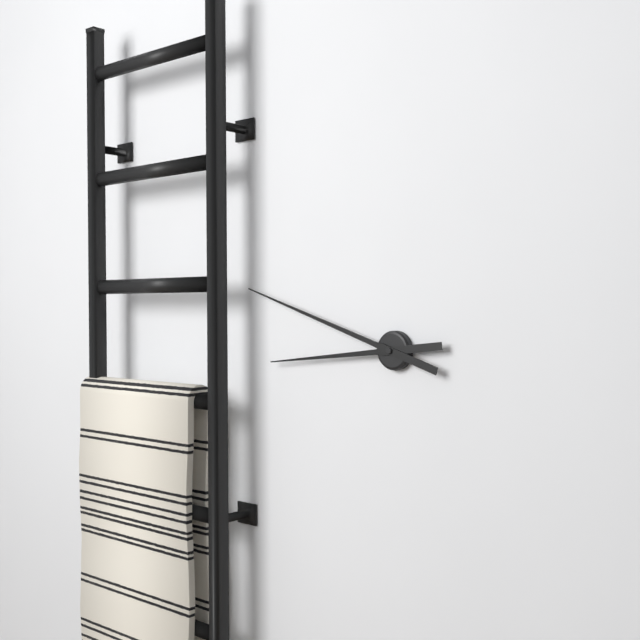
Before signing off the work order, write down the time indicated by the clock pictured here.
8:48
